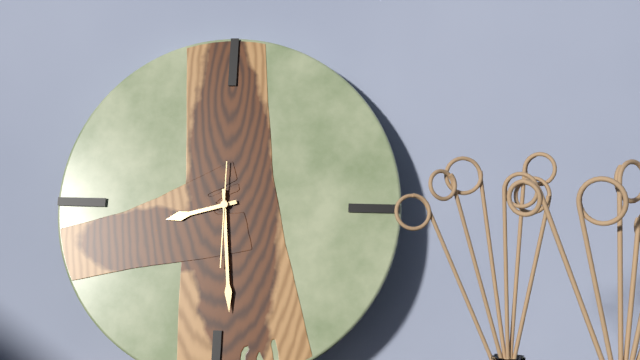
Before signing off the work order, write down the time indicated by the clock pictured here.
8:29:30
